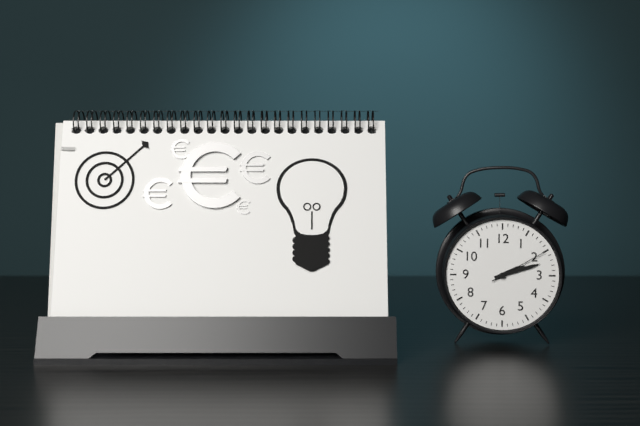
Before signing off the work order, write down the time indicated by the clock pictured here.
2:12:10
